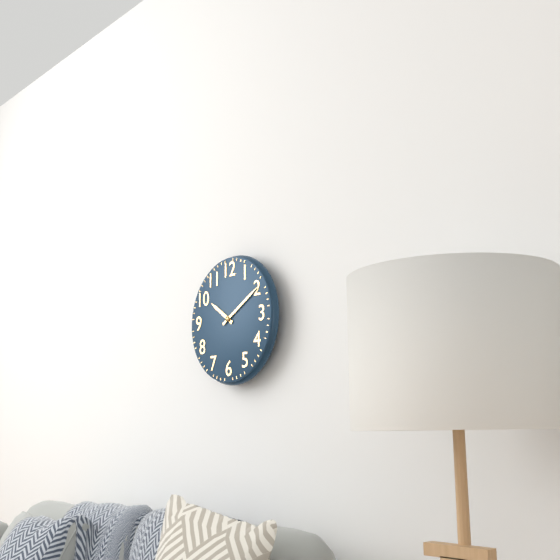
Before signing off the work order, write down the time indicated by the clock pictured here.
10:10
